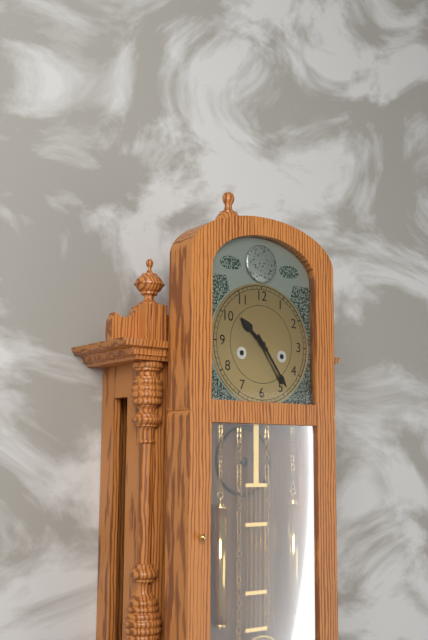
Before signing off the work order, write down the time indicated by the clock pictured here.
10:24
